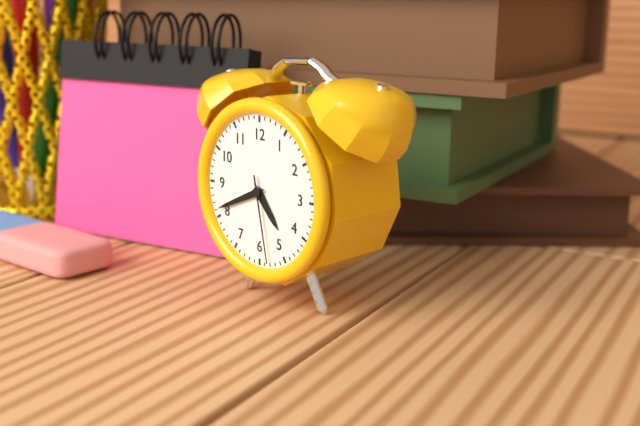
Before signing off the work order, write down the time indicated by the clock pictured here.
4:41:28
